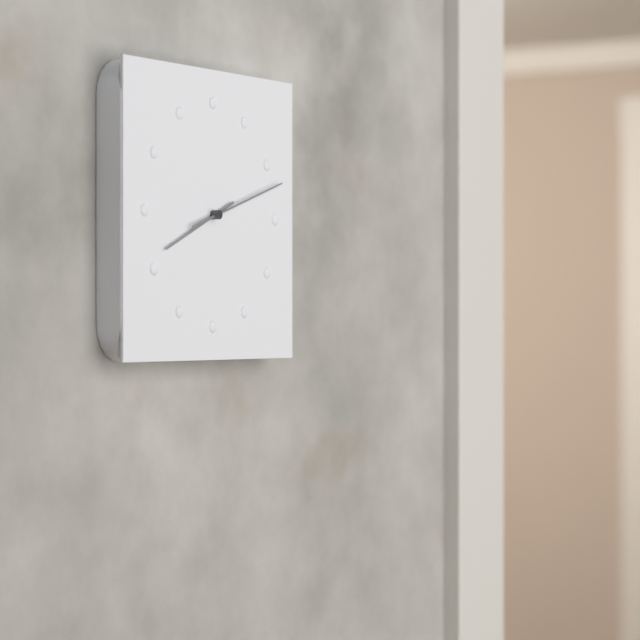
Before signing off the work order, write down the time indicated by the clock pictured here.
8:12
